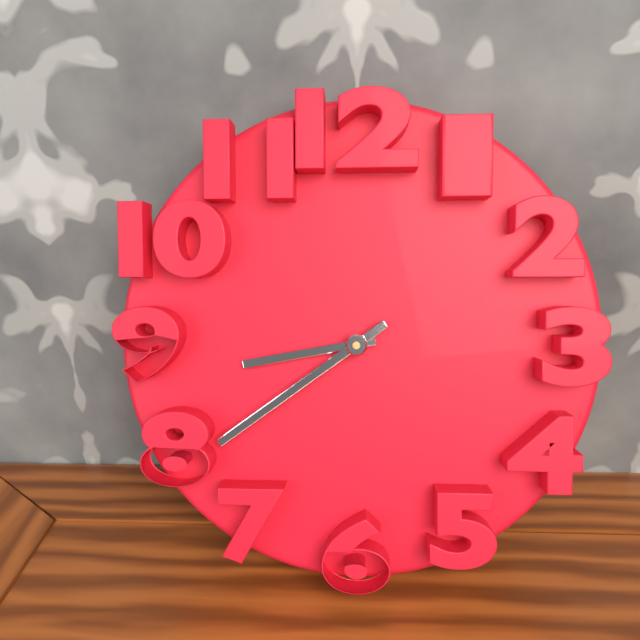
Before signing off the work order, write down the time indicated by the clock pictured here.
8:39
